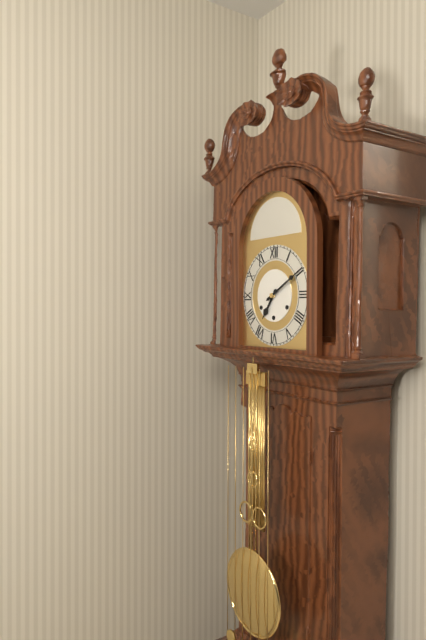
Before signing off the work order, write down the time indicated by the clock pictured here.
7:10
